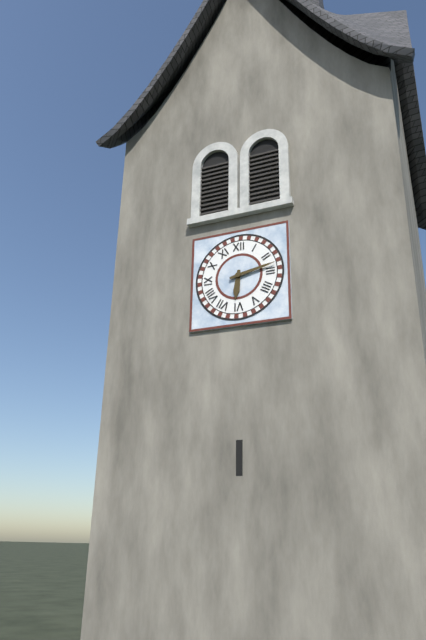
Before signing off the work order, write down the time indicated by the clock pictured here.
6:13
